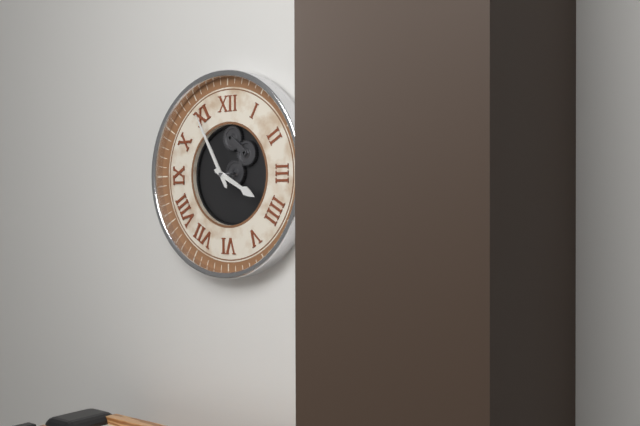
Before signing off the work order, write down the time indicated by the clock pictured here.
3:55
